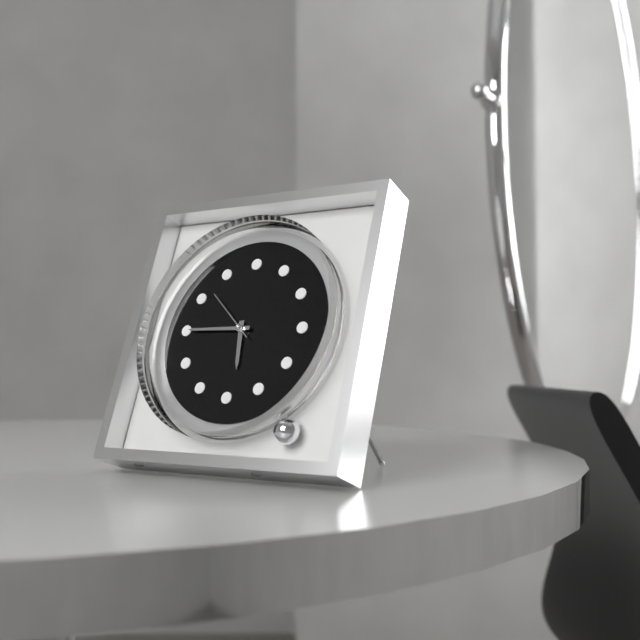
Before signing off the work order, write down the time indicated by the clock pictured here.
5:45:52
